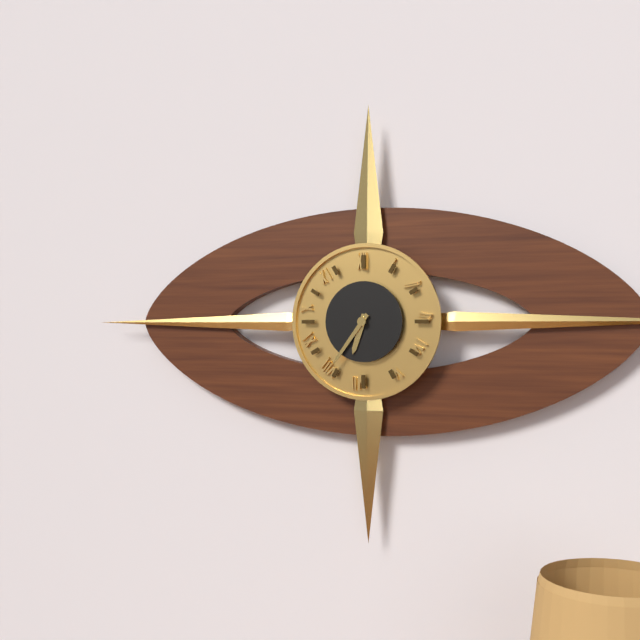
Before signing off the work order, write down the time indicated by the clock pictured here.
6:36
